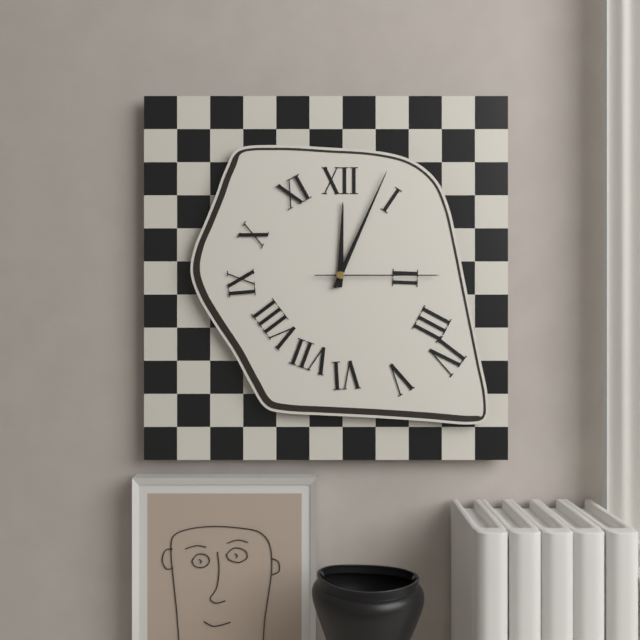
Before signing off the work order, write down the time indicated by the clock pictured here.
12:04:15
